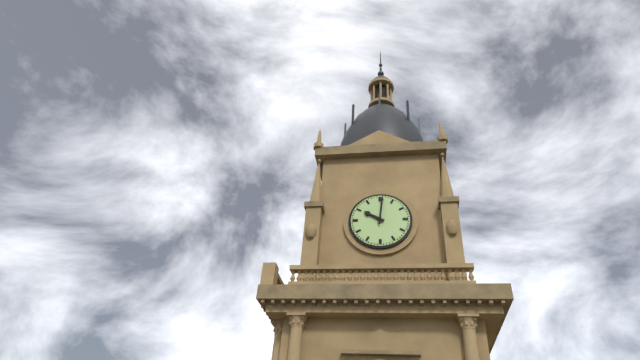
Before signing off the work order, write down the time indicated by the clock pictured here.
10:01
